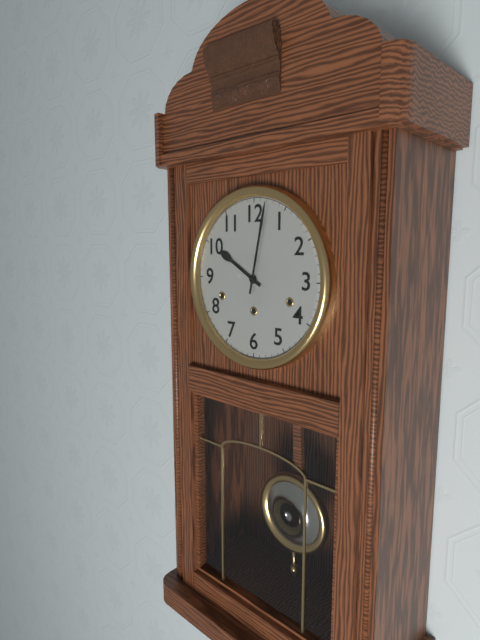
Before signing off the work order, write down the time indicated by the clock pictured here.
10:02
